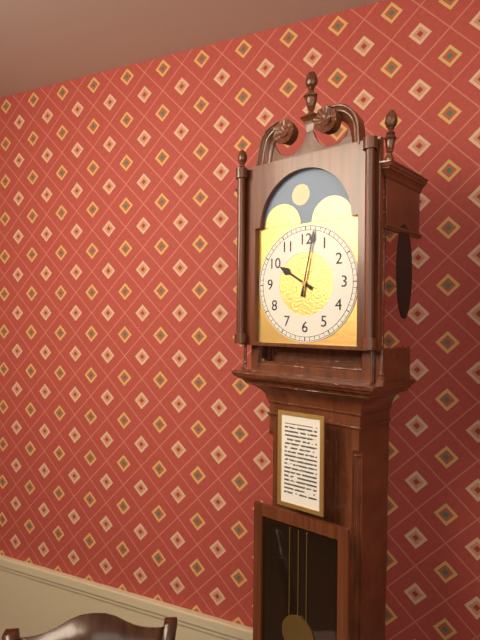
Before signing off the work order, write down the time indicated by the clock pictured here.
10:02
